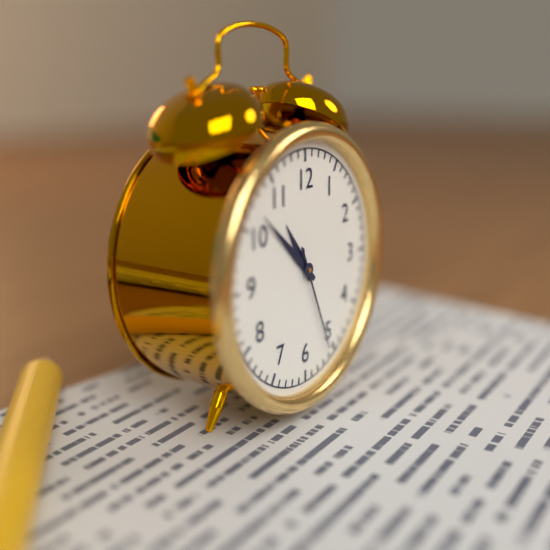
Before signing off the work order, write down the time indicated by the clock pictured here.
10:52:26
